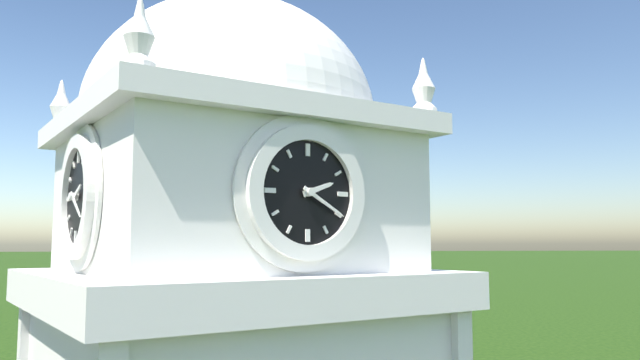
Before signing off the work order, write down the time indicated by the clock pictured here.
2:20
